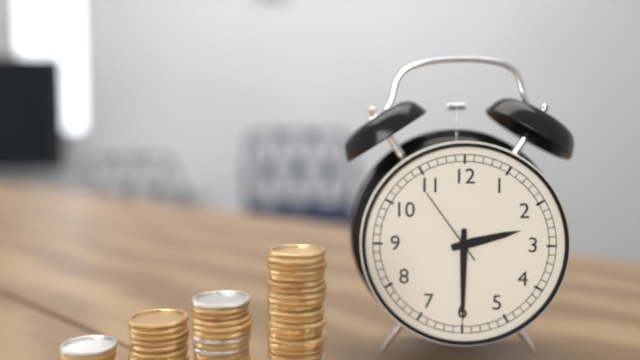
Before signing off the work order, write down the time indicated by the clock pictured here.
2:30:54
